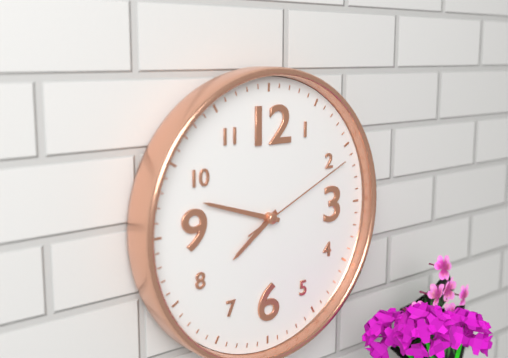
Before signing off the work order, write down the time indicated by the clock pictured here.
7:48:11
